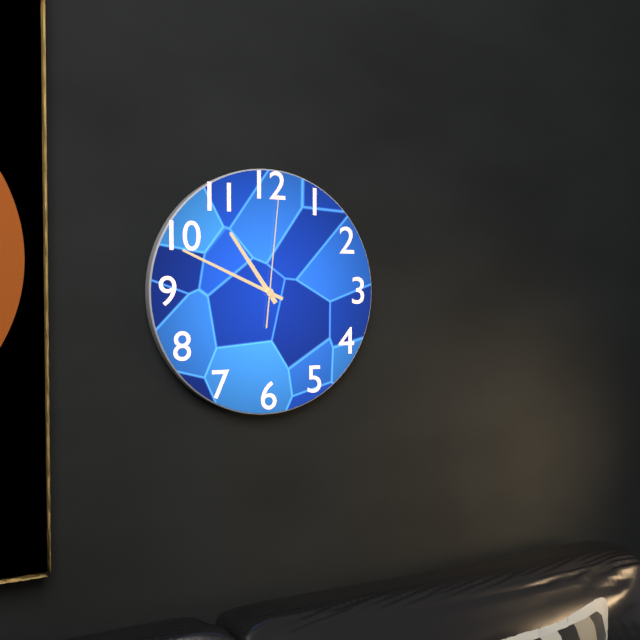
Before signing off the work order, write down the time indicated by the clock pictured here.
10:49:01
